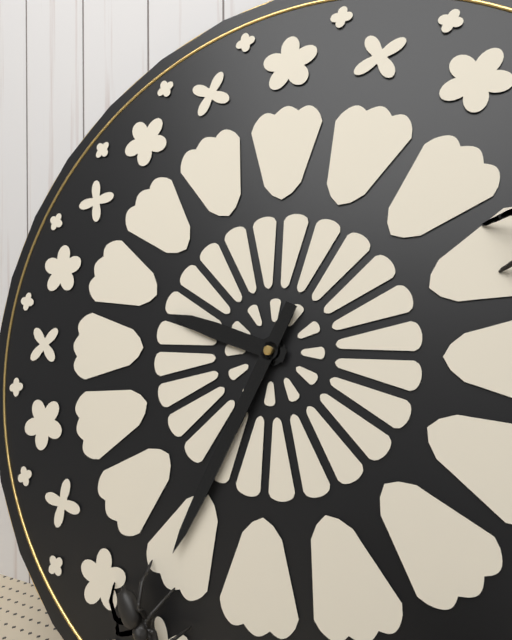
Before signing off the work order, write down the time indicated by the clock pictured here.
9:34
